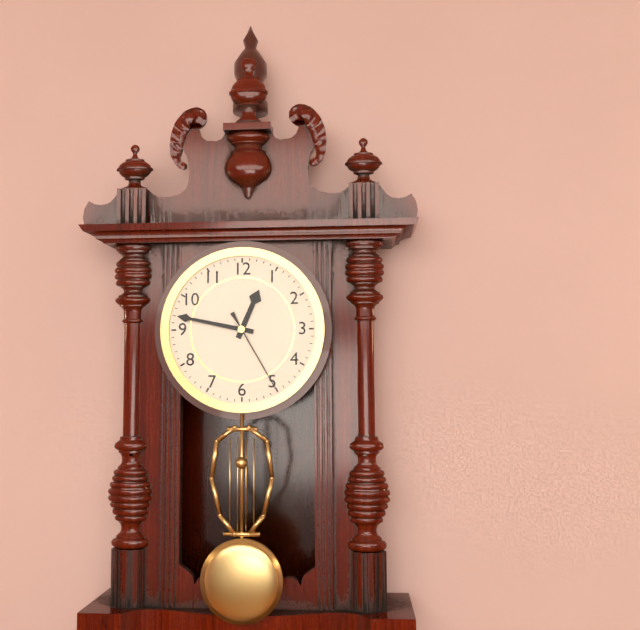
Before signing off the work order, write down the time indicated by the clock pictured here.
12:47:25
